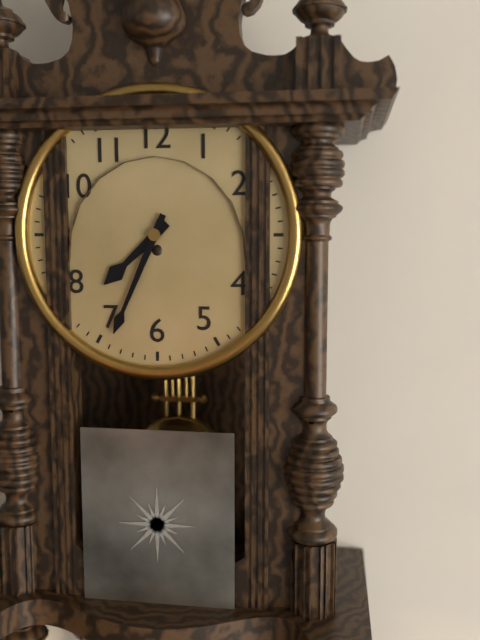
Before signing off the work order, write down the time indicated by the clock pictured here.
7:34
